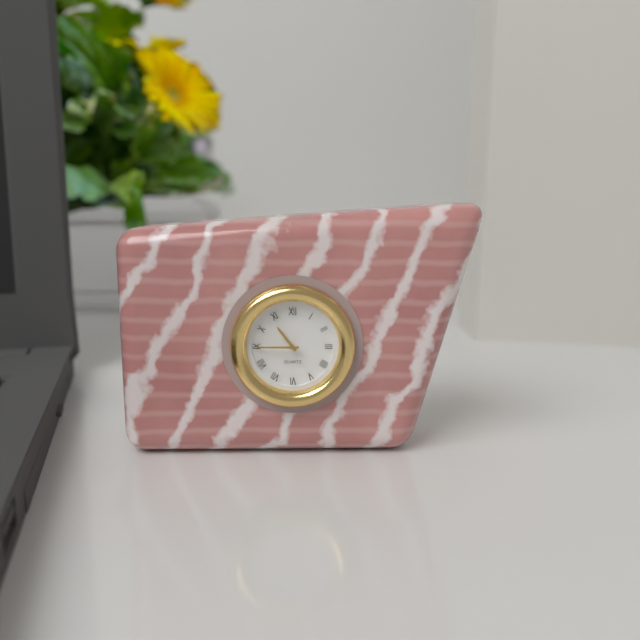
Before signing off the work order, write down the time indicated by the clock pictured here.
10:45
